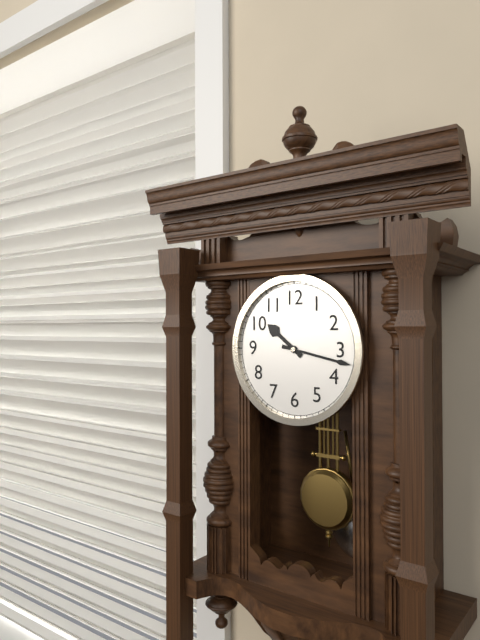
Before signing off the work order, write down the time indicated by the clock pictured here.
10:17
